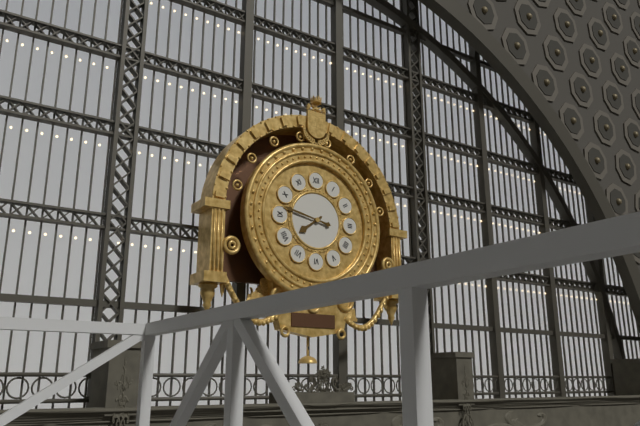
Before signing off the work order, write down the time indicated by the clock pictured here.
7:47
